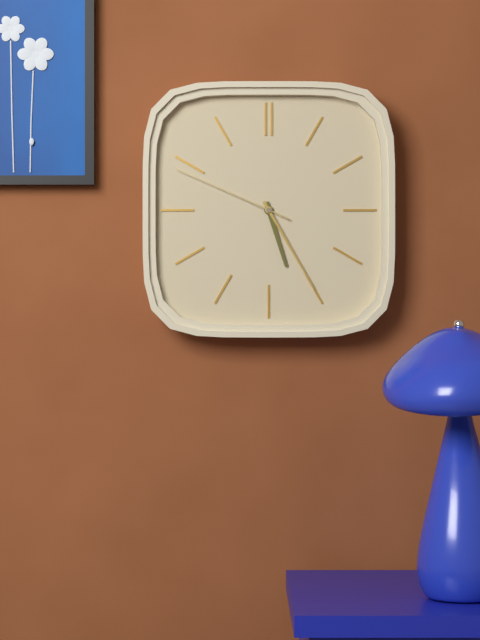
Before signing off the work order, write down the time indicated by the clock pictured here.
5:25:49
